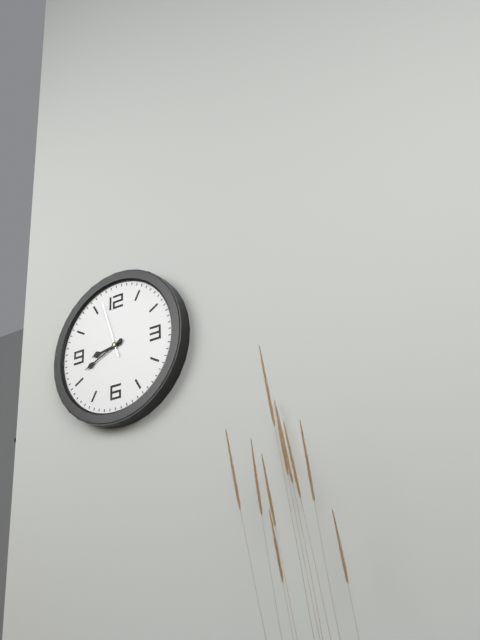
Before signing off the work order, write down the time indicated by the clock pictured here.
8:41:57
